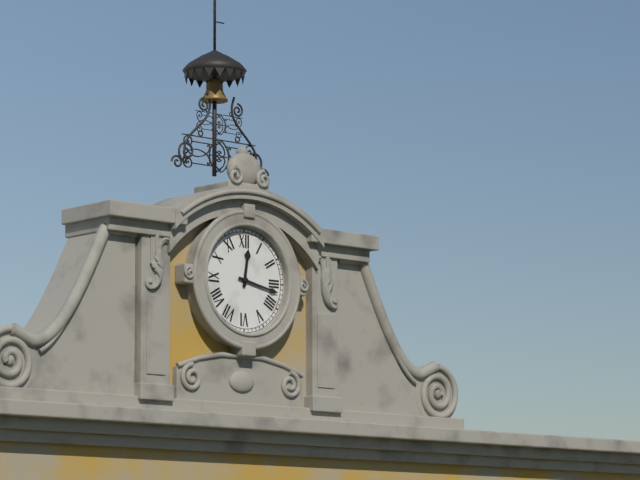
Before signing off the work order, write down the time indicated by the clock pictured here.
12:17
